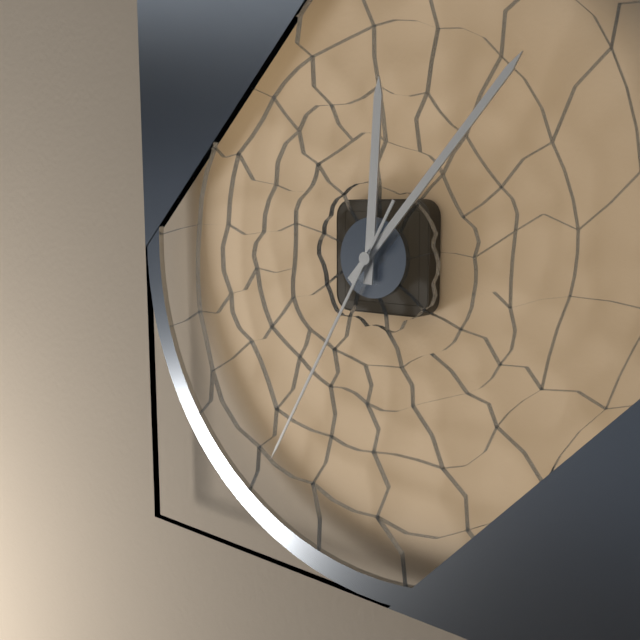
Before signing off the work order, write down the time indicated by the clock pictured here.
12:07:35
